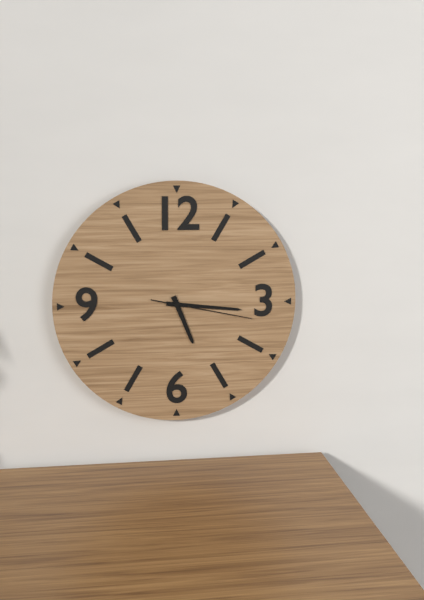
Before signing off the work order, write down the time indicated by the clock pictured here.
5:16:17
